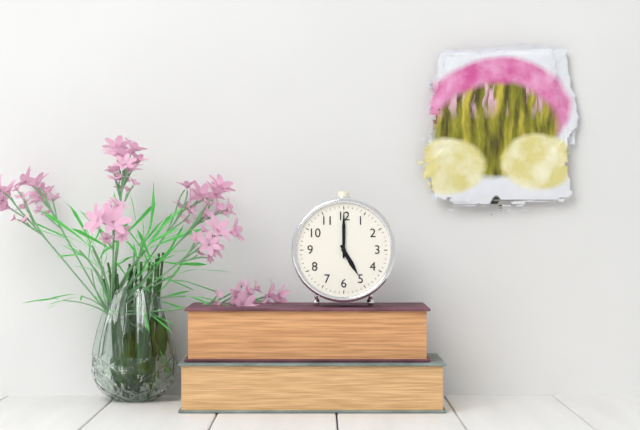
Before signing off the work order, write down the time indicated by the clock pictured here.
5:00
